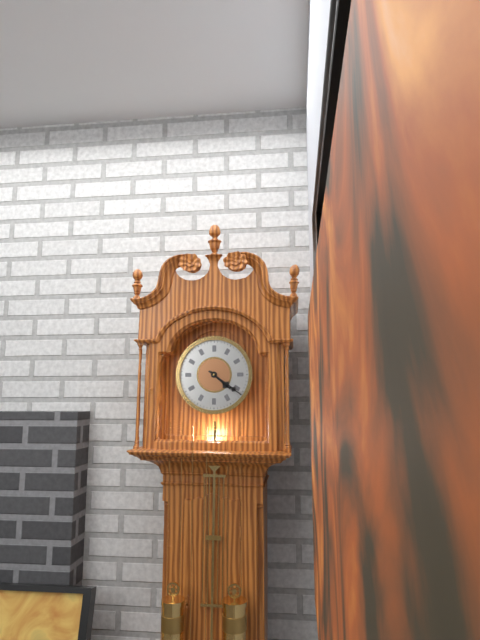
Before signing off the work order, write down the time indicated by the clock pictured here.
4:21
